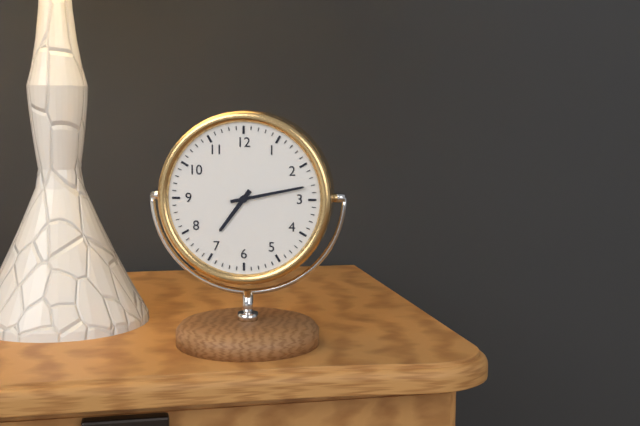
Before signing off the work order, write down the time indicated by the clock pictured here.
7:13
